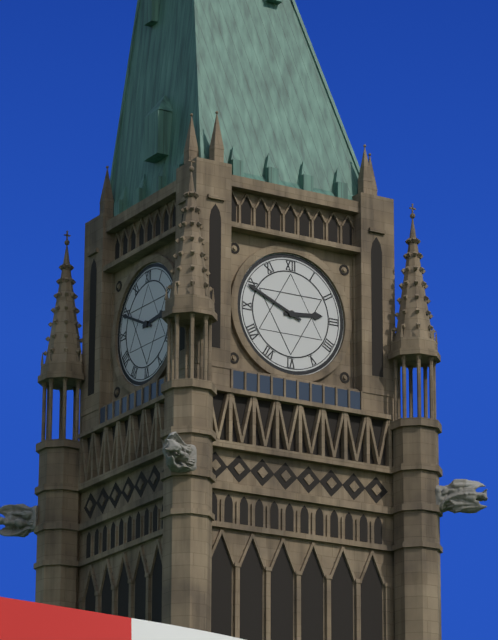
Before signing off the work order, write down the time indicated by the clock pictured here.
2:49
